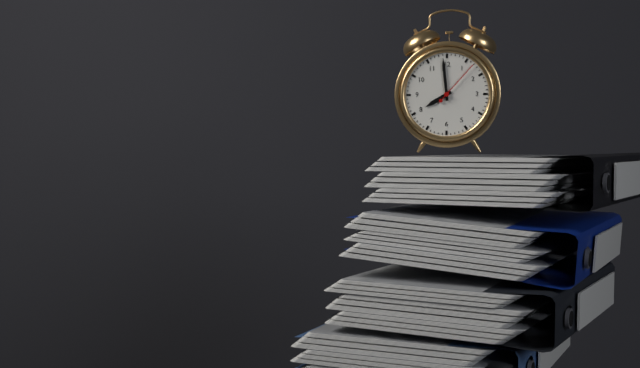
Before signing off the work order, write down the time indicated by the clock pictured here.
7:59
